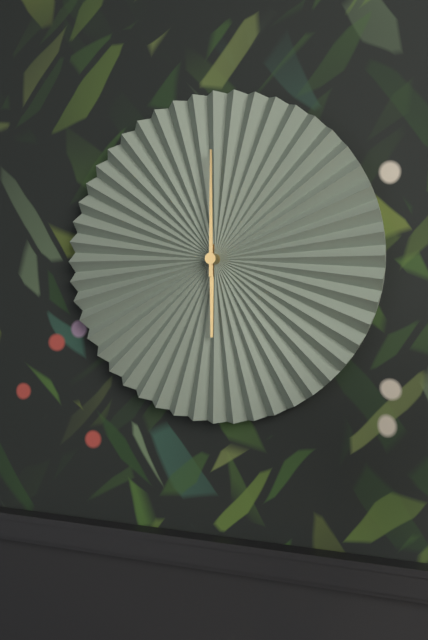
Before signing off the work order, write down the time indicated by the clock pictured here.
6:00
